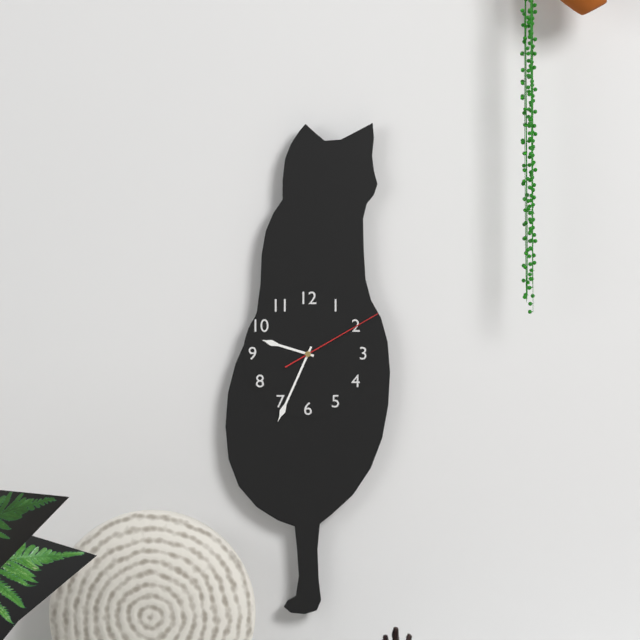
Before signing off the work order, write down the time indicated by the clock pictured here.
9:34:10
